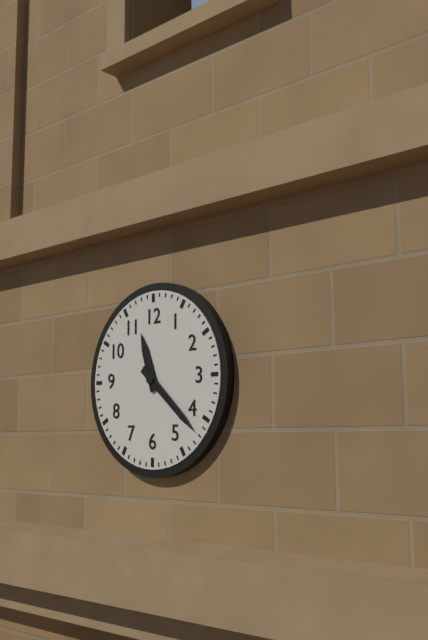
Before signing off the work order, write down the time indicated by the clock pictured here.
11:22
